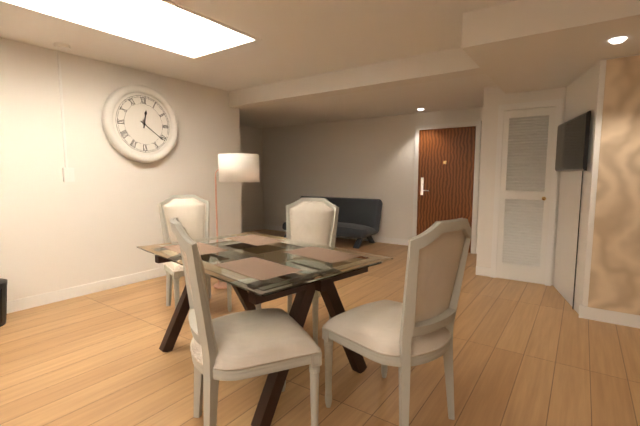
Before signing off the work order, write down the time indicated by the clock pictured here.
12:21
